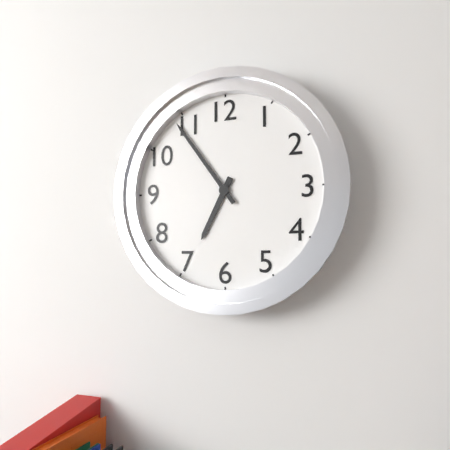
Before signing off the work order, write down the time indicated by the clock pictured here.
6:54
